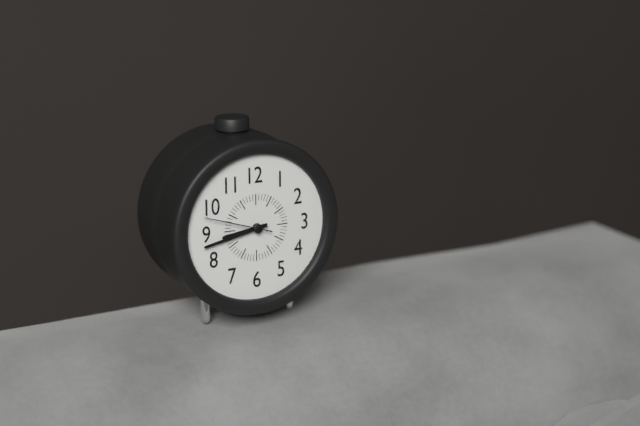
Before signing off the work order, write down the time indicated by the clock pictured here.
8:43:48
